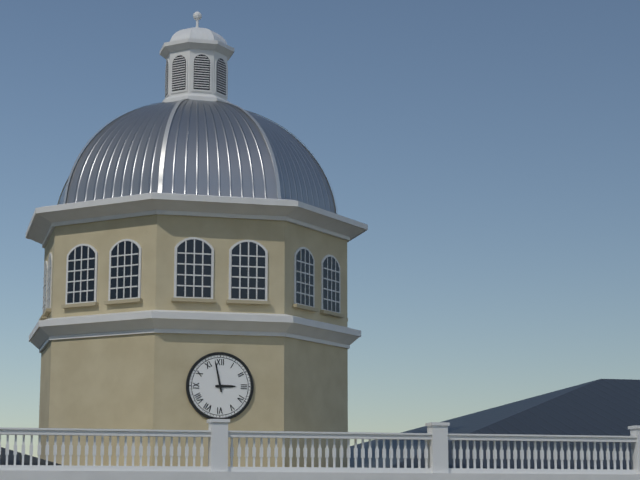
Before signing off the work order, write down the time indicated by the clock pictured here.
2:58
